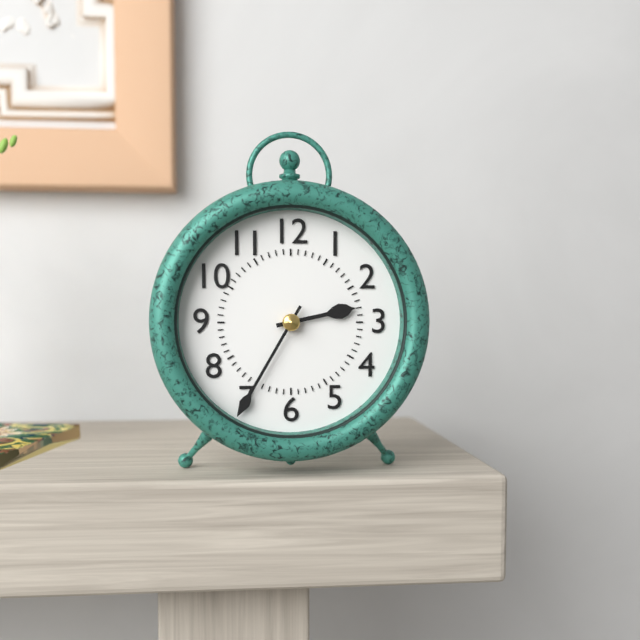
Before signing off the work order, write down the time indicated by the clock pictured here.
2:35
